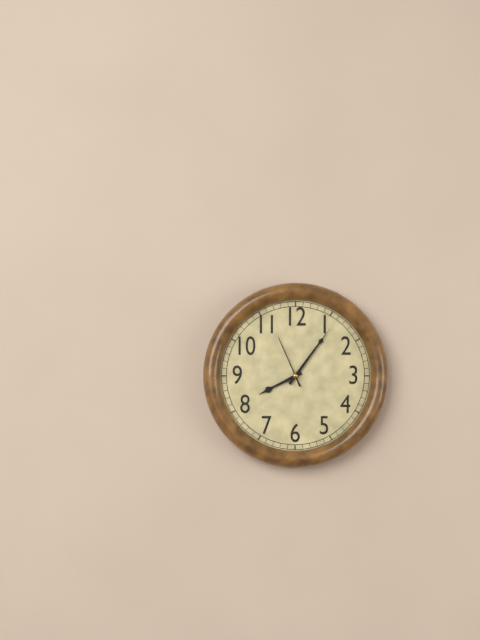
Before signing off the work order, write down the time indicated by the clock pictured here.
8:06:56
